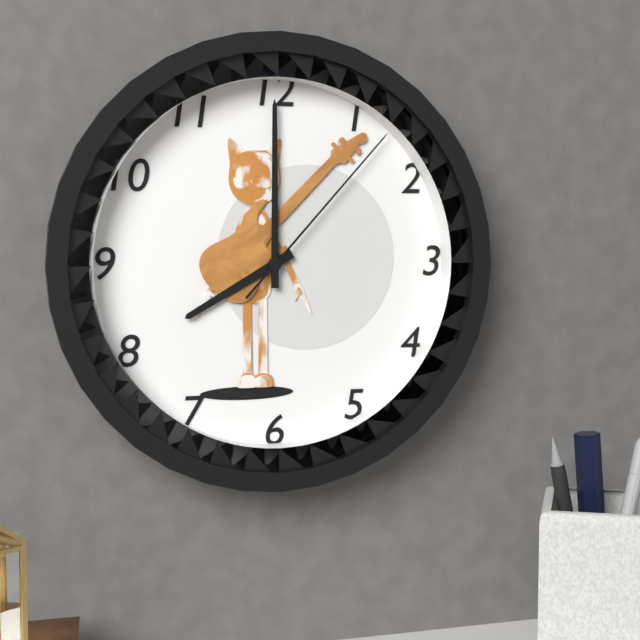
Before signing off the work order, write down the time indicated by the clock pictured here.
8:00:07
